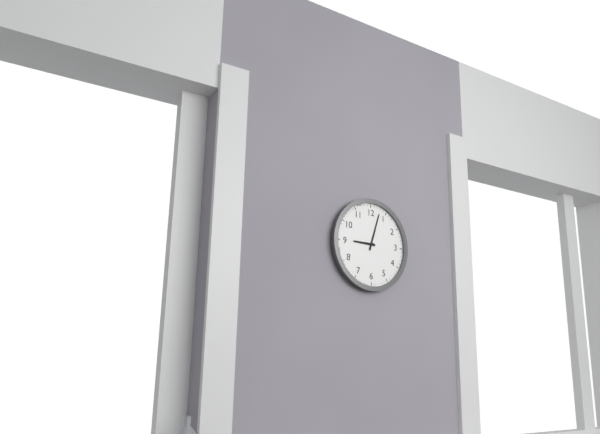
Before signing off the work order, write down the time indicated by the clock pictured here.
9:03
